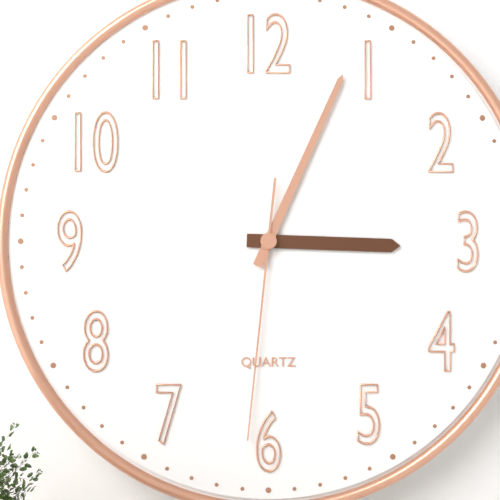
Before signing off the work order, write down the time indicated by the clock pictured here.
3:04:31
